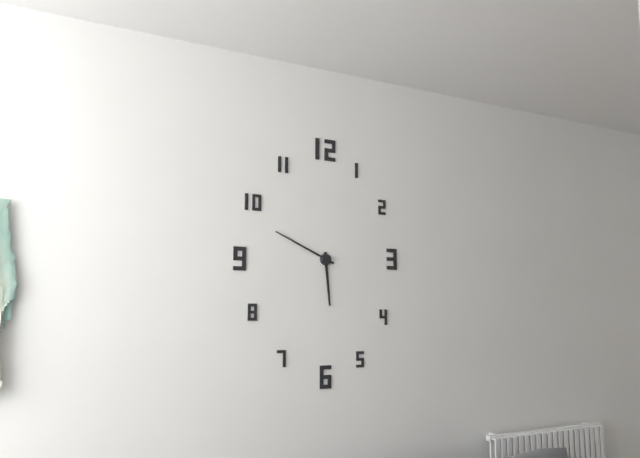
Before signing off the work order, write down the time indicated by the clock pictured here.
5:49
